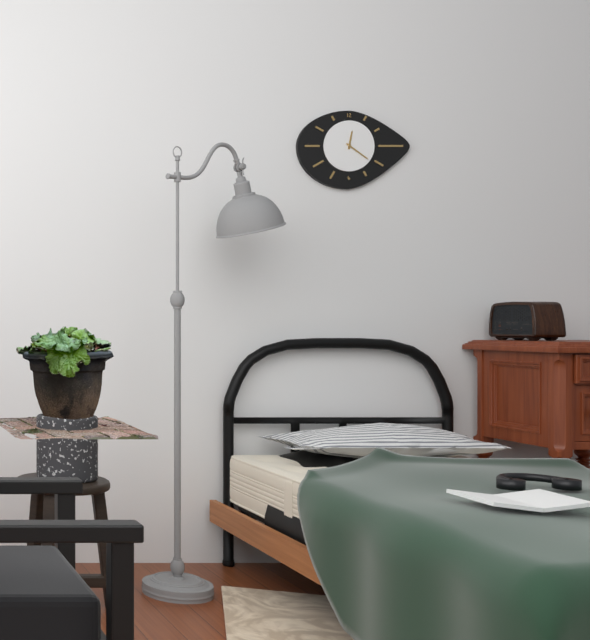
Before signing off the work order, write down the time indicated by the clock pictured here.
12:21
